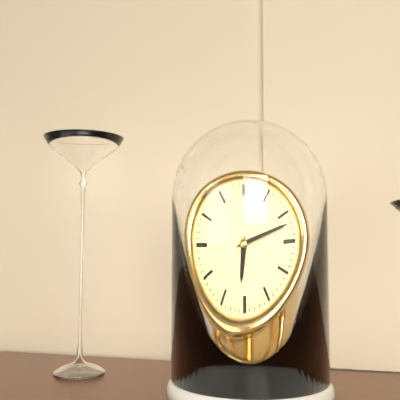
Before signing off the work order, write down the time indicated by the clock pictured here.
6:12
